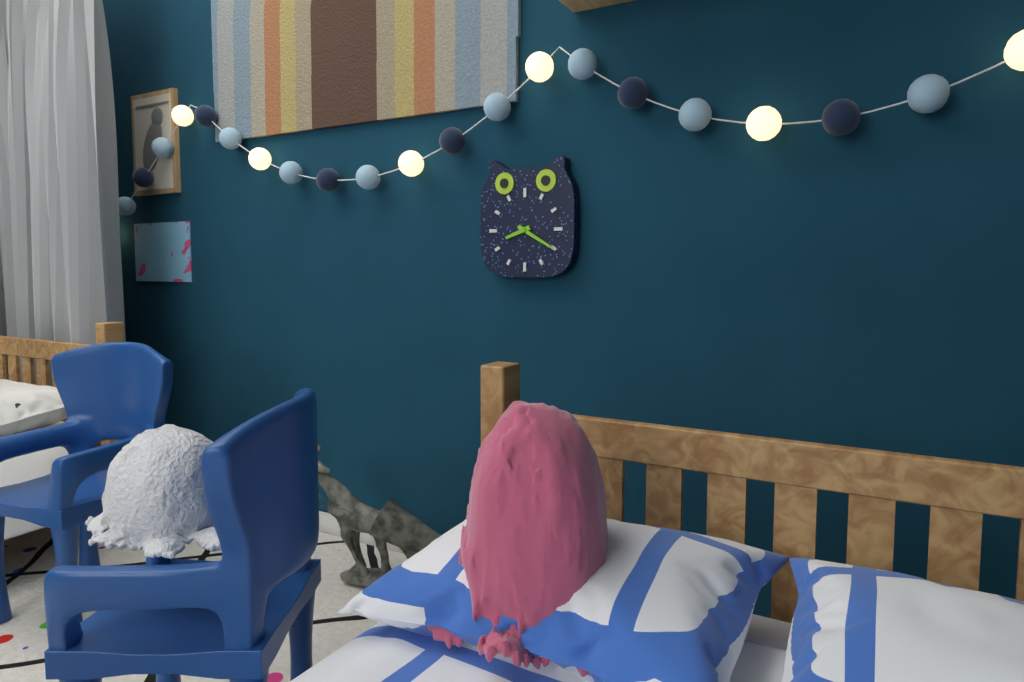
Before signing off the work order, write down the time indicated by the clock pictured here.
8:20
